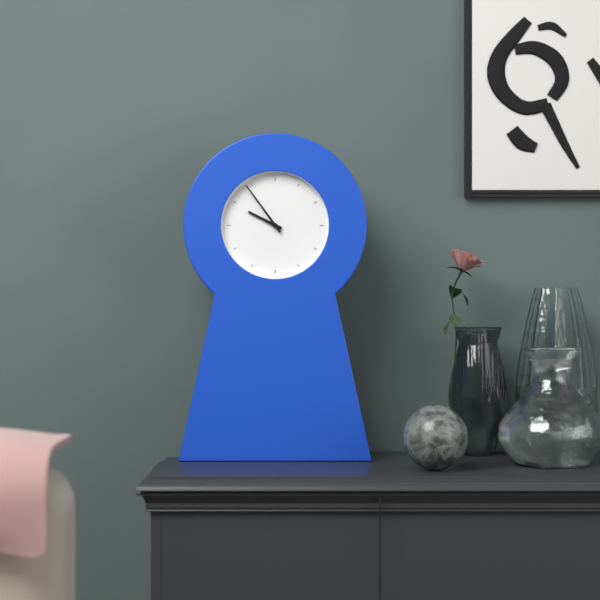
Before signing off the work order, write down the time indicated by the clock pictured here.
9:54
